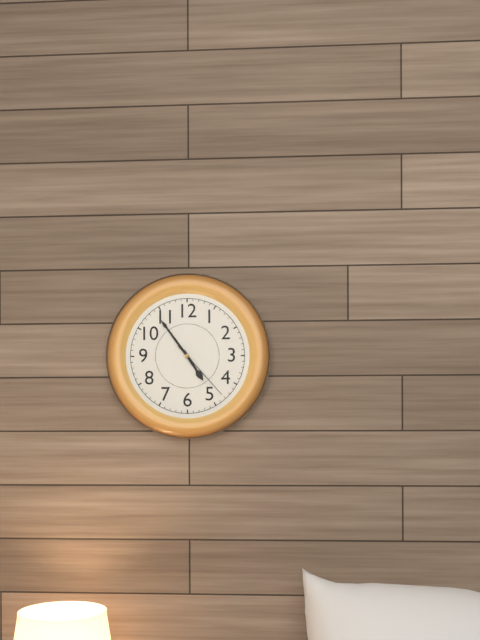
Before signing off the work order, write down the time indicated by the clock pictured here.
4:54:23
